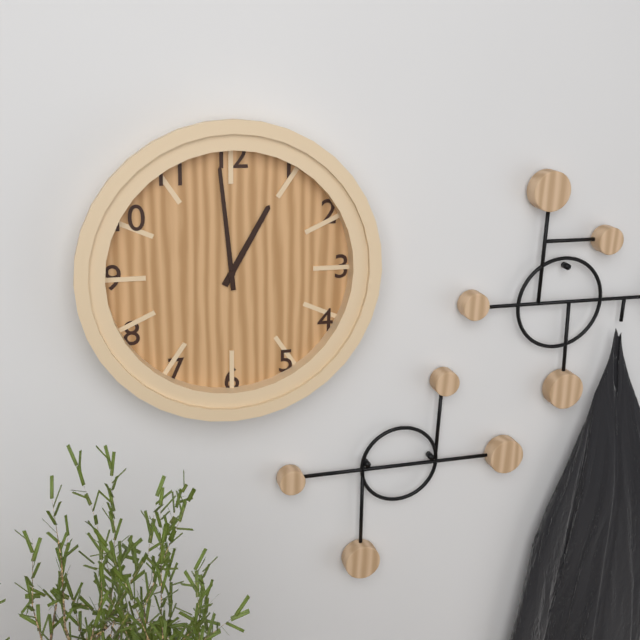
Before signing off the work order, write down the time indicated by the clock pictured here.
12:59
